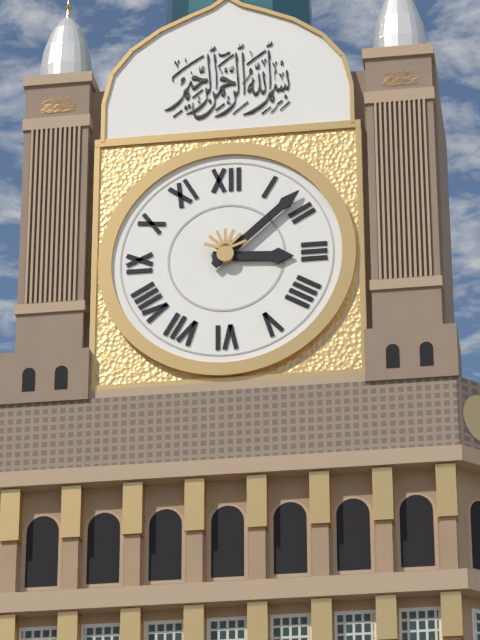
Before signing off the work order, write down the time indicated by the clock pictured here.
3:08
